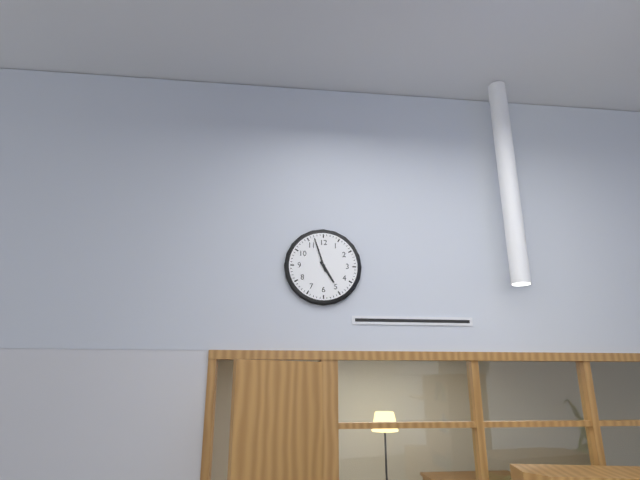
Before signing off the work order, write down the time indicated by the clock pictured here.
4:57
